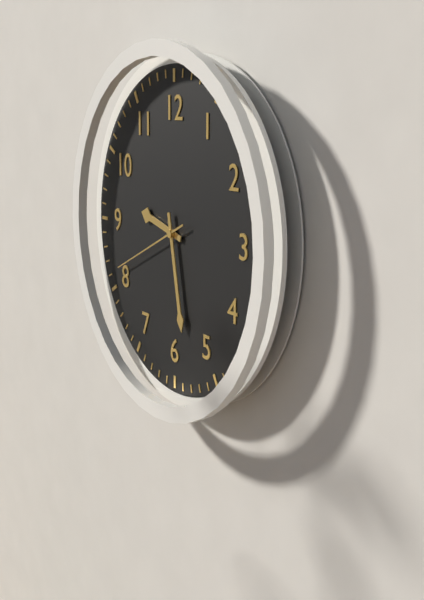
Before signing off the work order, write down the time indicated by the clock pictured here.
9:28:41
